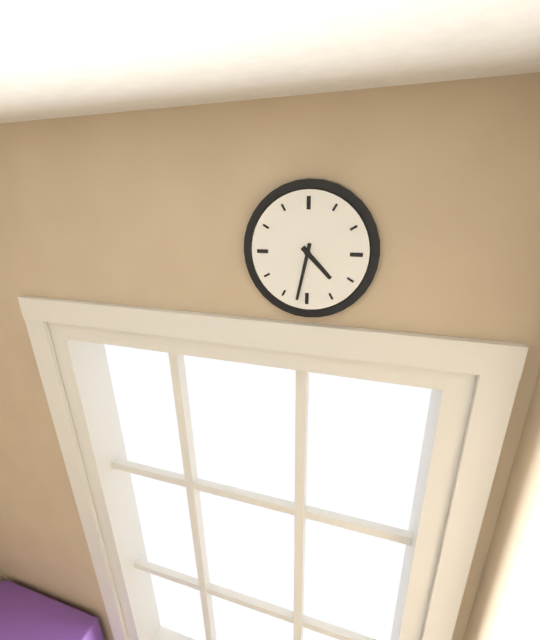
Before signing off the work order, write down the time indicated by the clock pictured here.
4:32
